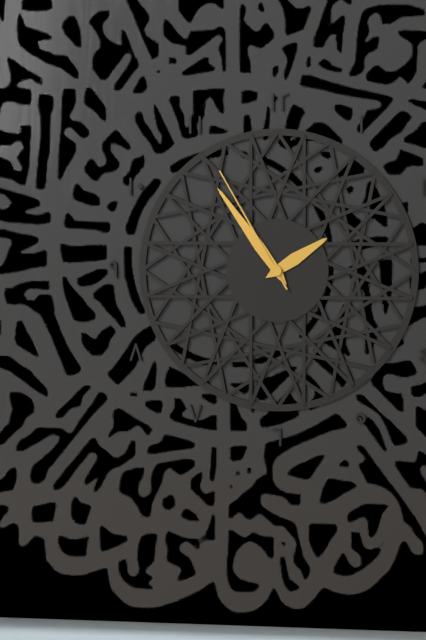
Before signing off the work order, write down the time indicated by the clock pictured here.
1:54:55
